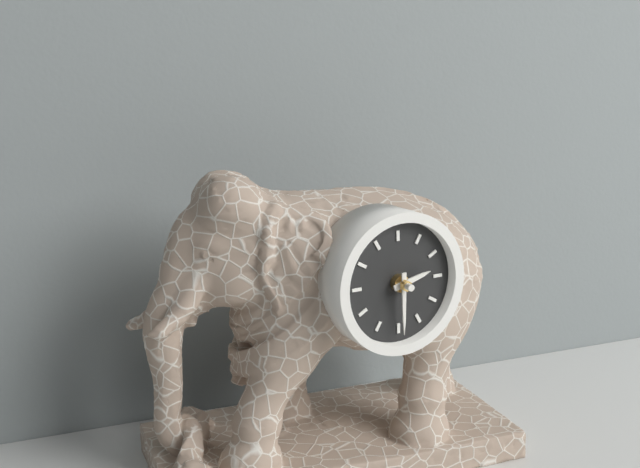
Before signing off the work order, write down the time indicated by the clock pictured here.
2:30
